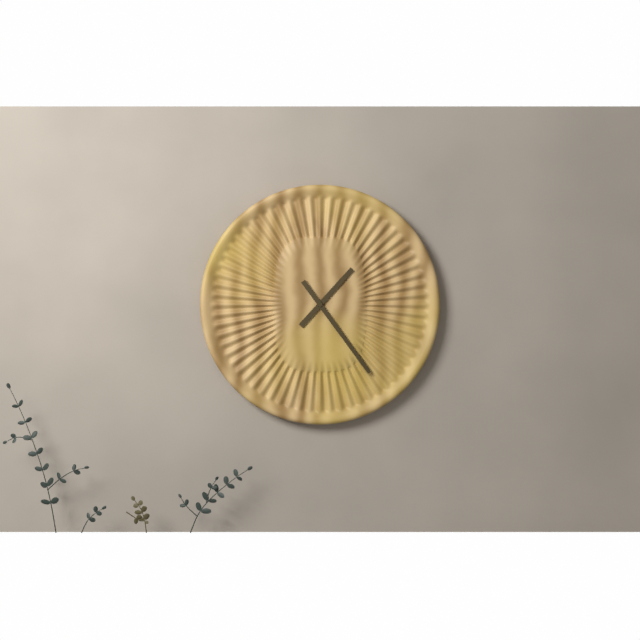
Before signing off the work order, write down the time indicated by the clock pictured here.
1:24
